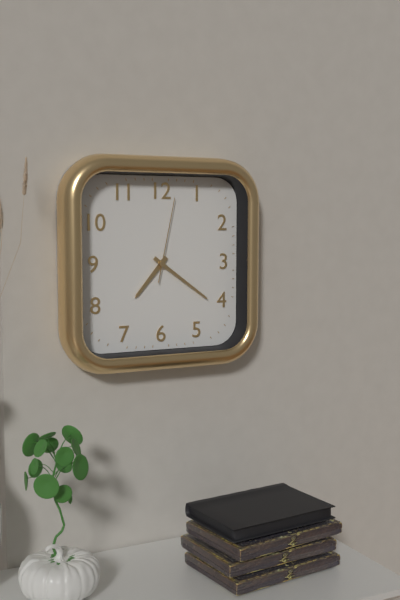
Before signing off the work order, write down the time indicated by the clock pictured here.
7:21:02
